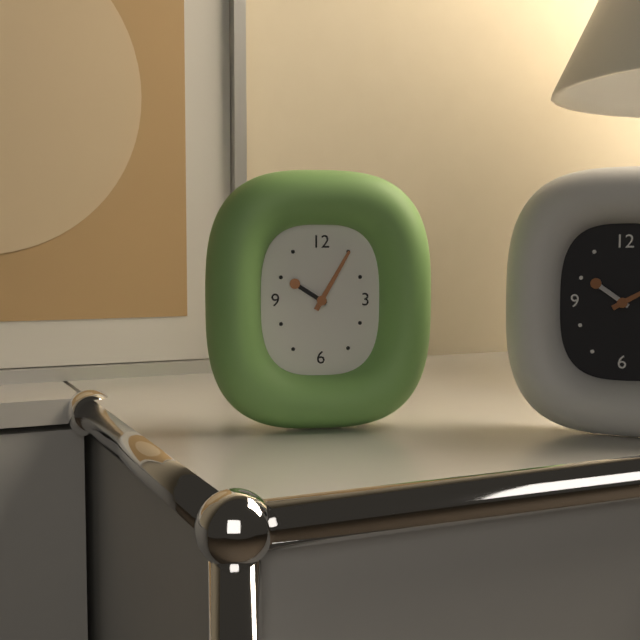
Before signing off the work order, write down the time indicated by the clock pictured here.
10:05
